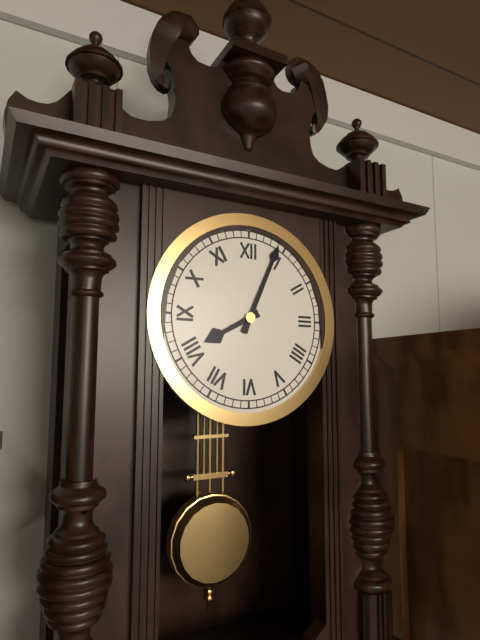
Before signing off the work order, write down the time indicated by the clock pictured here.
8:04
